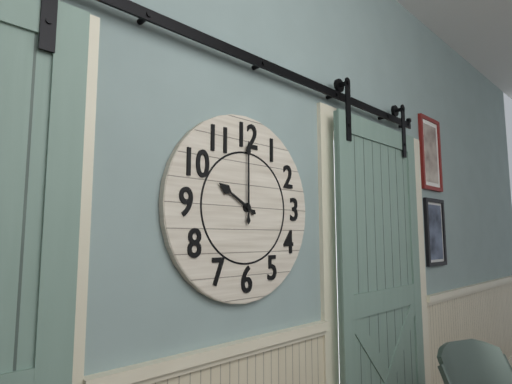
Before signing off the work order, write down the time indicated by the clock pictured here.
10:00
